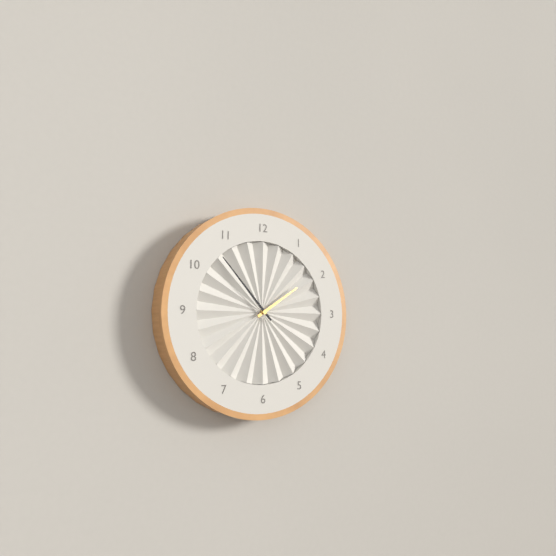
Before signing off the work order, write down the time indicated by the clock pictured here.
1:53
